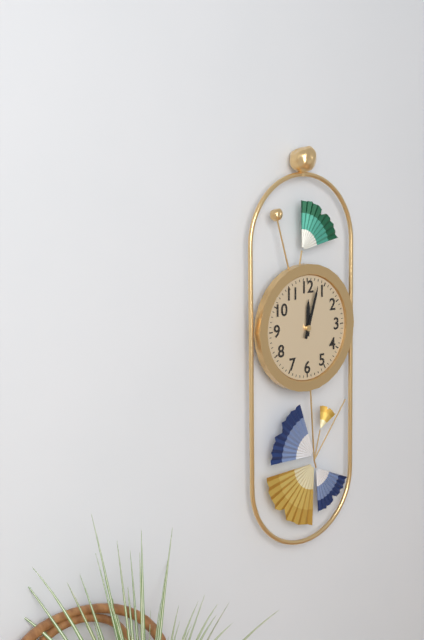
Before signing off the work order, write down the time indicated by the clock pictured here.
12:03
